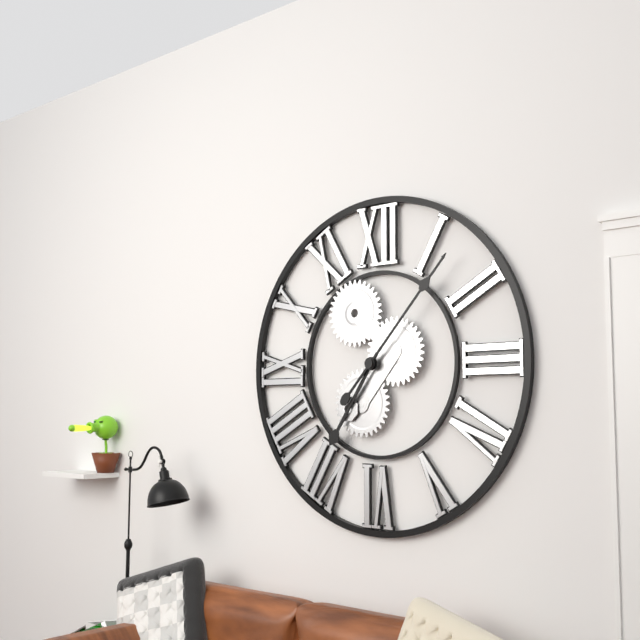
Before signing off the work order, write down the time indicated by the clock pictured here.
7:07
